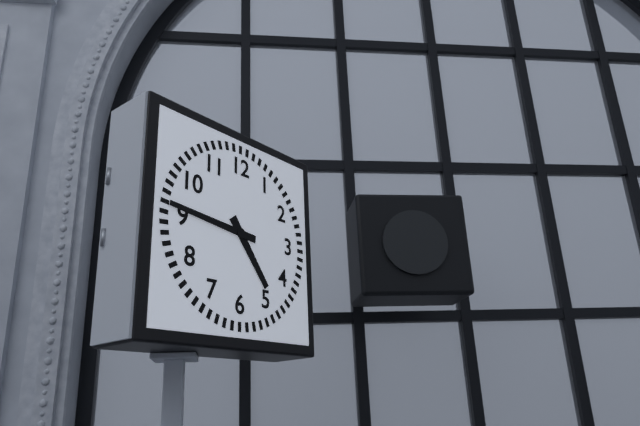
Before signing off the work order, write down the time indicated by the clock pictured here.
4:46
